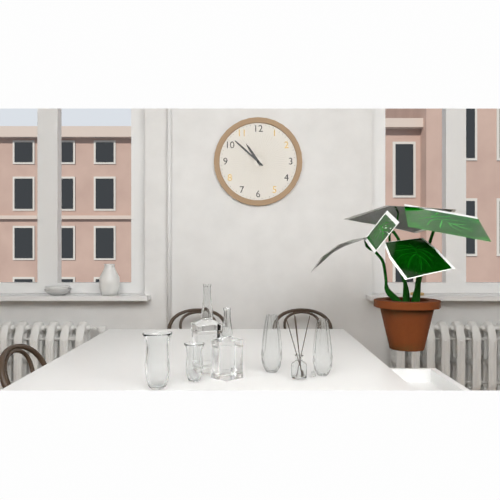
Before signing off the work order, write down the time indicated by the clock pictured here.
10:52
